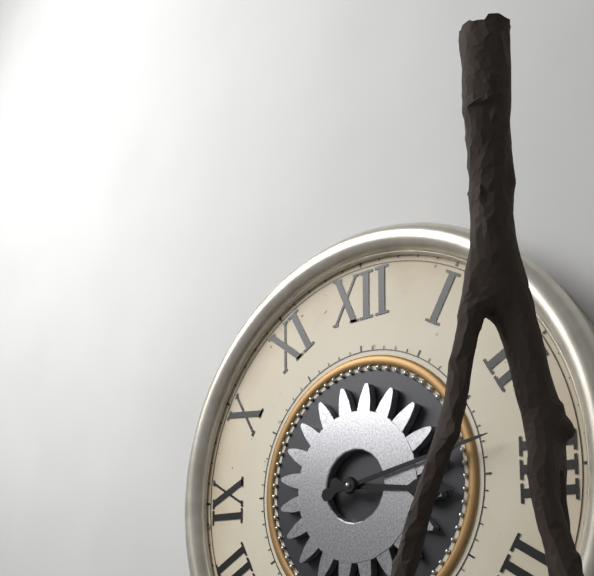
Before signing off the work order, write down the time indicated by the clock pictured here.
3:13
